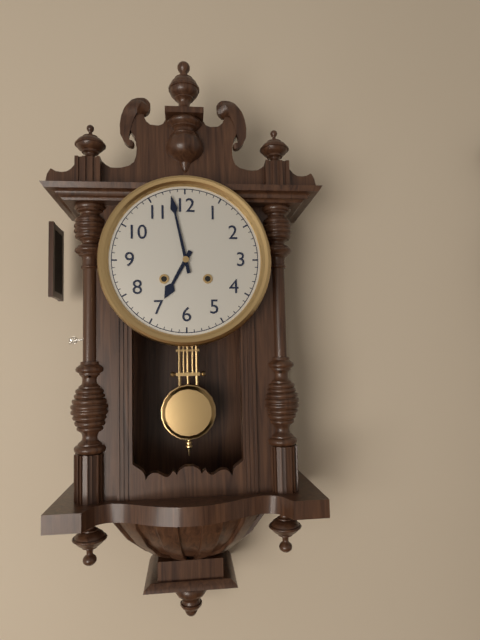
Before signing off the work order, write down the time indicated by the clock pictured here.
6:58
